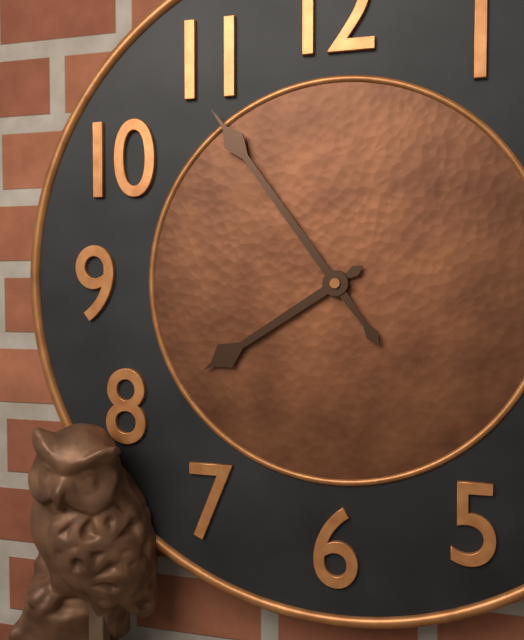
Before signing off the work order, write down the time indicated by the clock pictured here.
7:54
